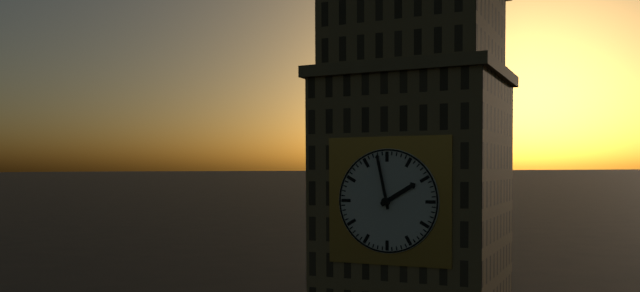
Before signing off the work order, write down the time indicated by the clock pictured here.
1:58
